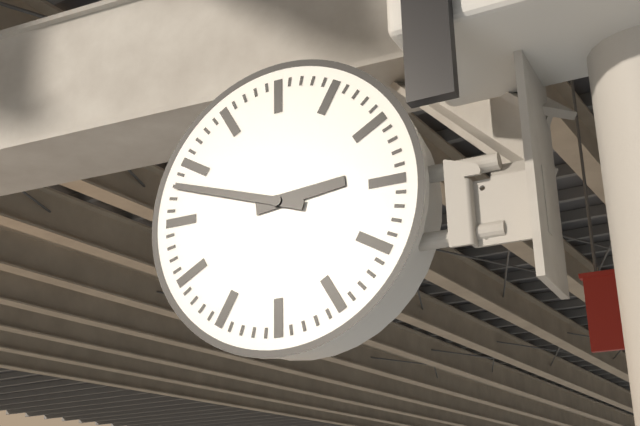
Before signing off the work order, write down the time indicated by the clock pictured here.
2:48
